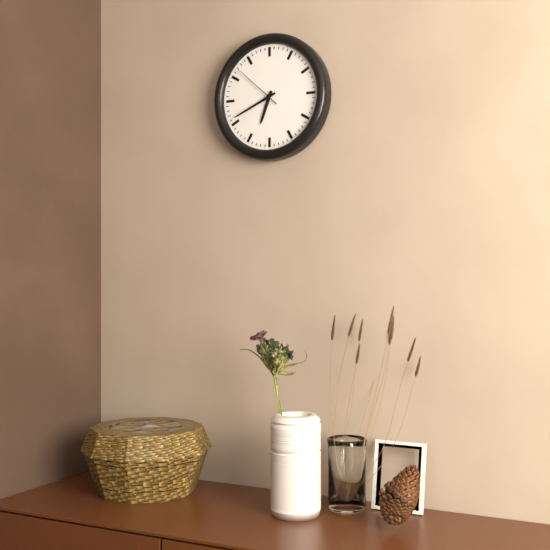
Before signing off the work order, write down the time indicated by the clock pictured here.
6:41:52
